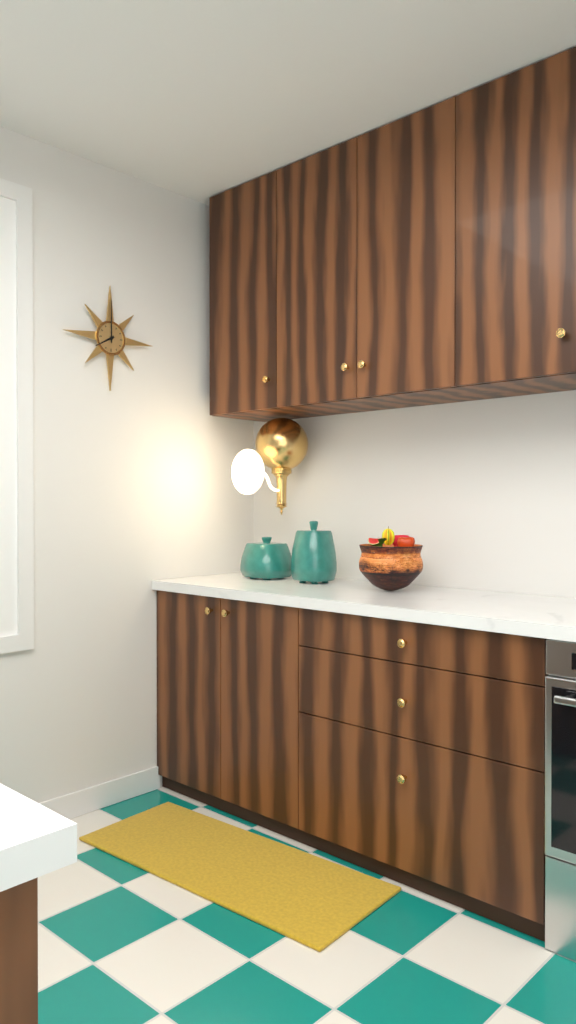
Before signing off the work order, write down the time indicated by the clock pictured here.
8:00
